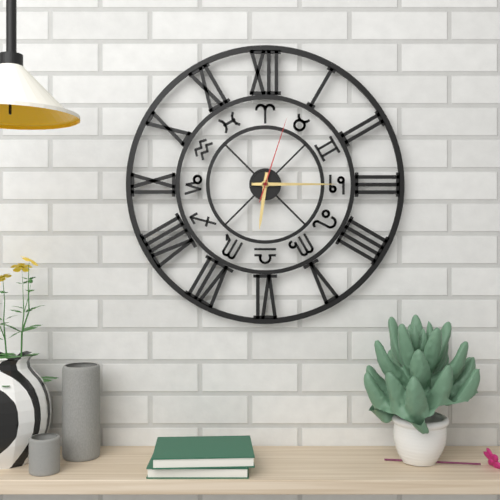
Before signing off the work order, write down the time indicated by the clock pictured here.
6:15:03
